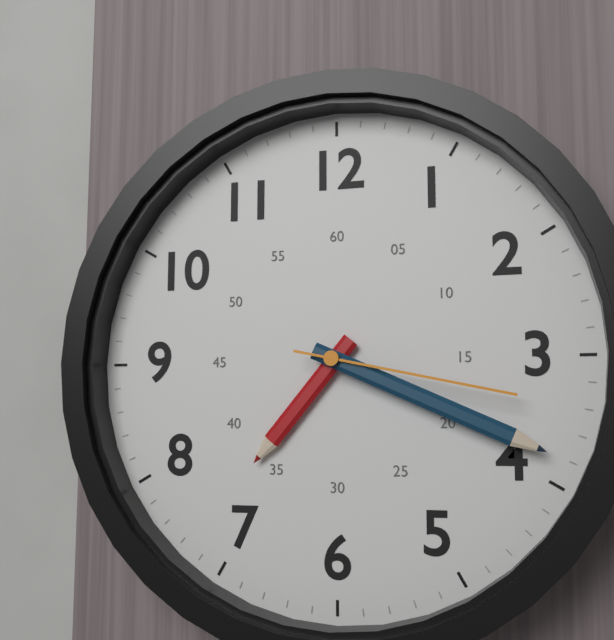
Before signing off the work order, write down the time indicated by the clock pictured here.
7:19:17
